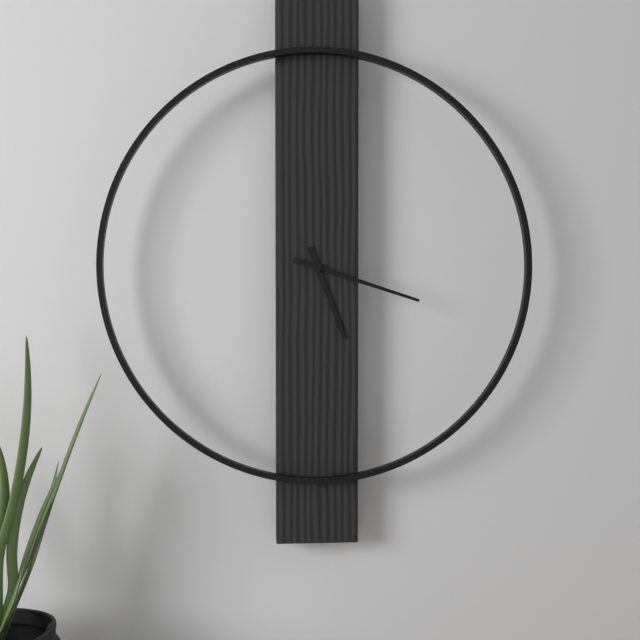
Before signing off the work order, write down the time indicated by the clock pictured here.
5:18
